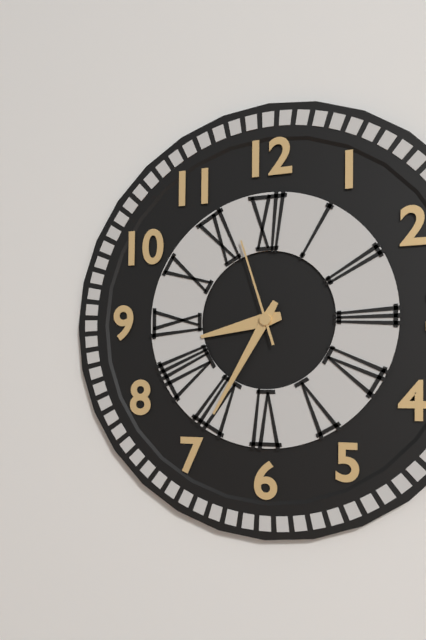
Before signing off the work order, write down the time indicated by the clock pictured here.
8:35:57
